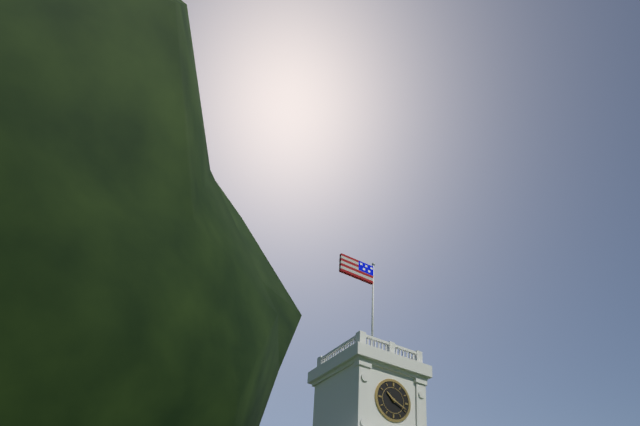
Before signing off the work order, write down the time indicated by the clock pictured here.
10:19
